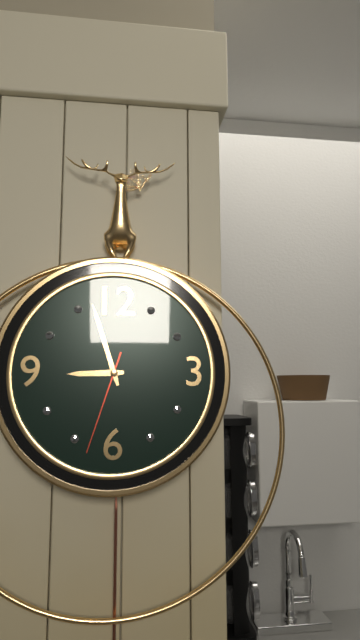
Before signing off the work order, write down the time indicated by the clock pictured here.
8:57:33
